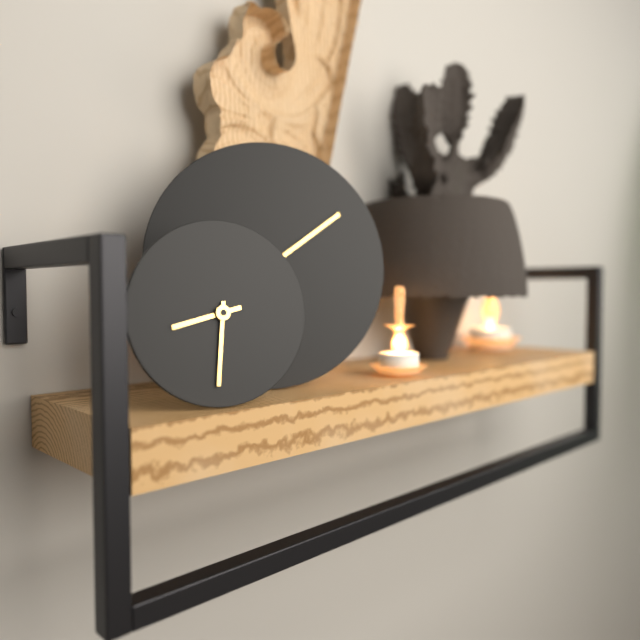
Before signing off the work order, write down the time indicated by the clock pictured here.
8:31
